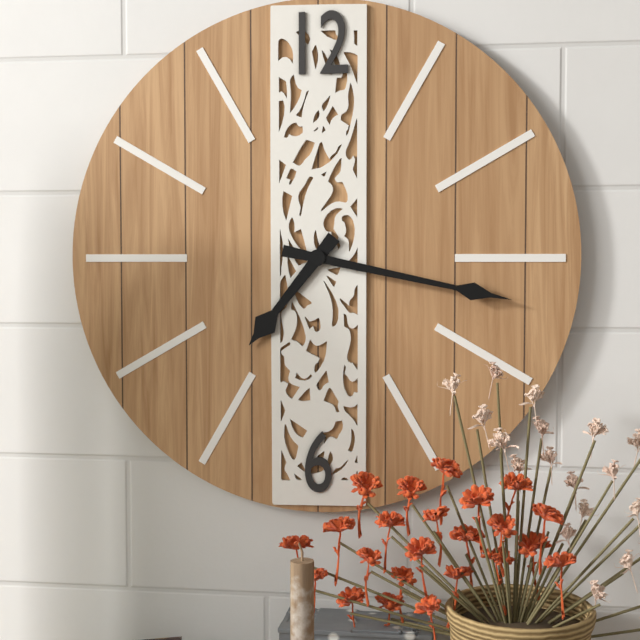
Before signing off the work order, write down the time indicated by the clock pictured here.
7:17
